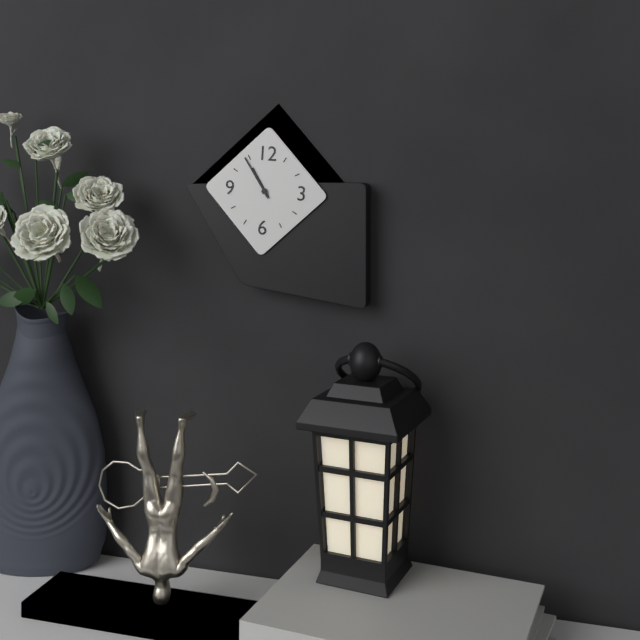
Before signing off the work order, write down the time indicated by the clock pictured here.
10:54
